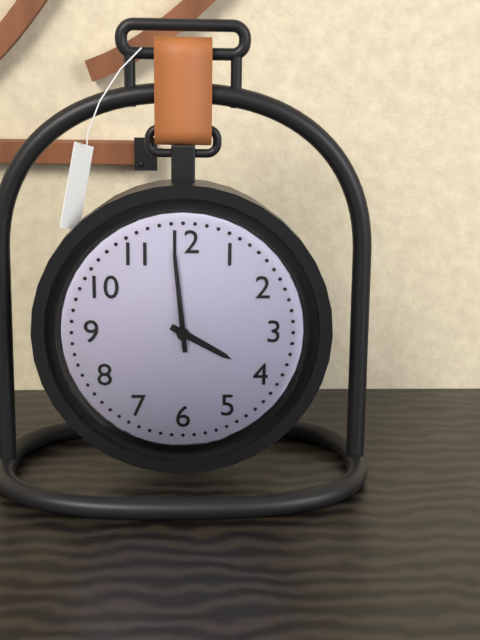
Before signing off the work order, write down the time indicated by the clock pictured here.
3:59
